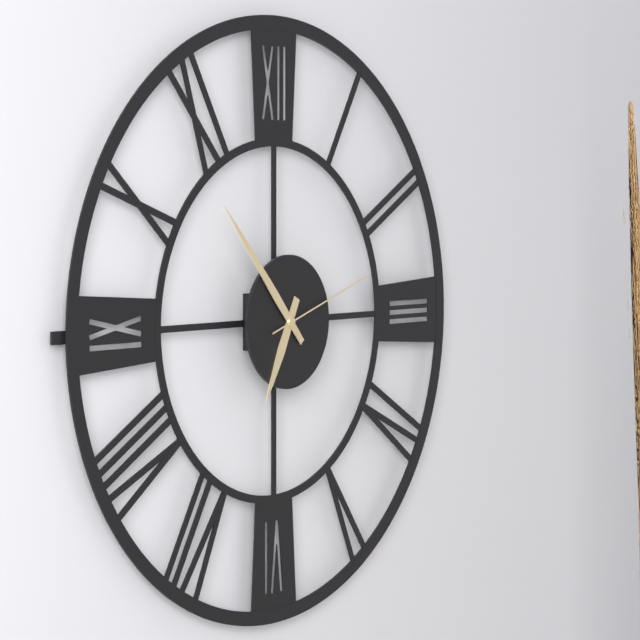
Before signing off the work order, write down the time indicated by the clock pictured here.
6:53:12
